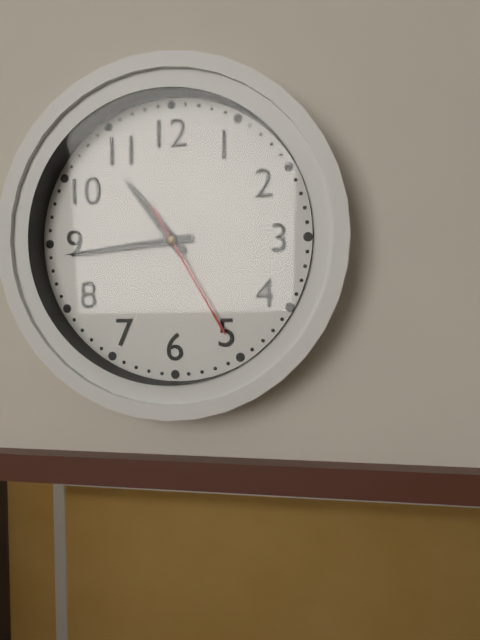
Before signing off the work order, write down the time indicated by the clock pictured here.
10:44:25
